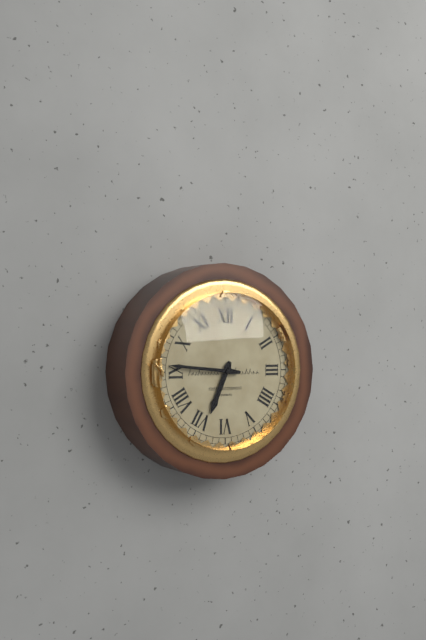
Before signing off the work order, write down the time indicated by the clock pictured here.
6:46
